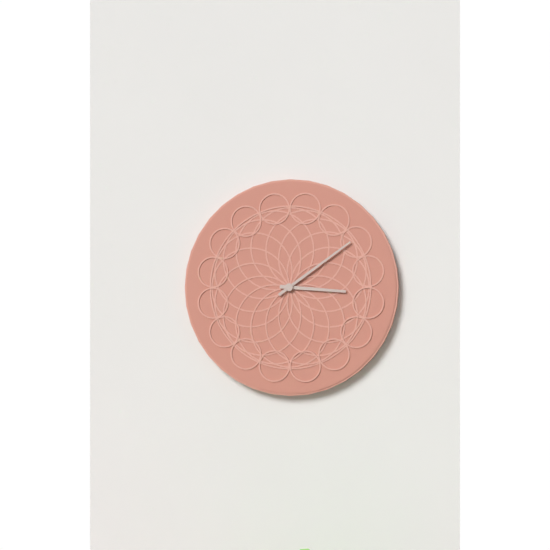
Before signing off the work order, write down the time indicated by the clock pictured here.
3:09
